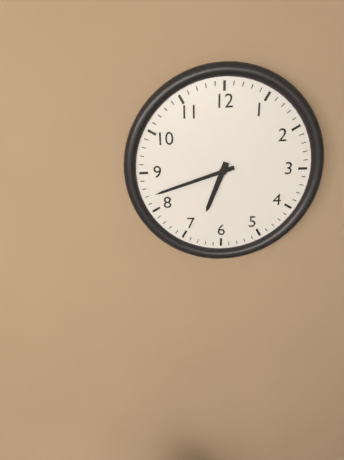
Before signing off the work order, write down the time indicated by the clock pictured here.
6:42
